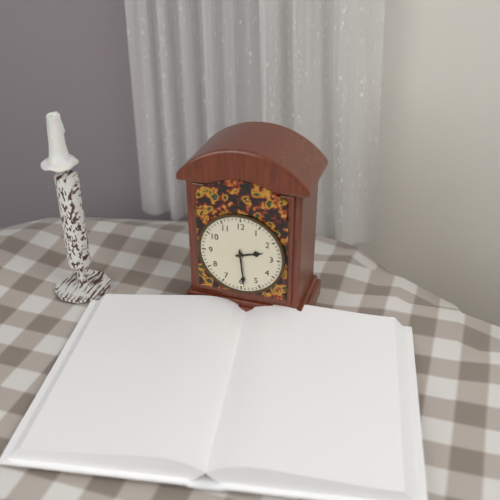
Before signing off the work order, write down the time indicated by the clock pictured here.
2:29
